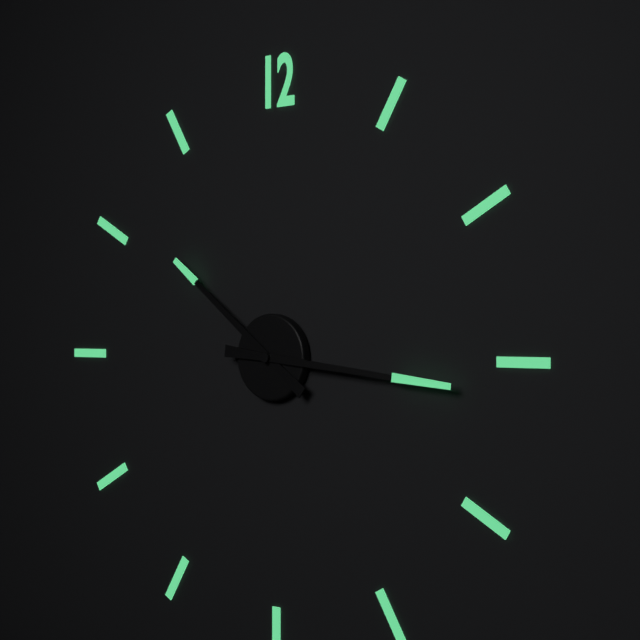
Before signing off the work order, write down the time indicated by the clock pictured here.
10:16
